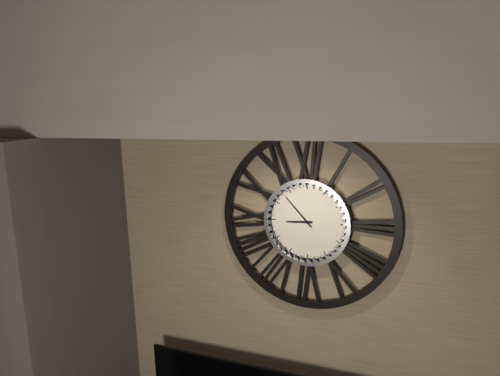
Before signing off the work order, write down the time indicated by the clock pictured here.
8:53
